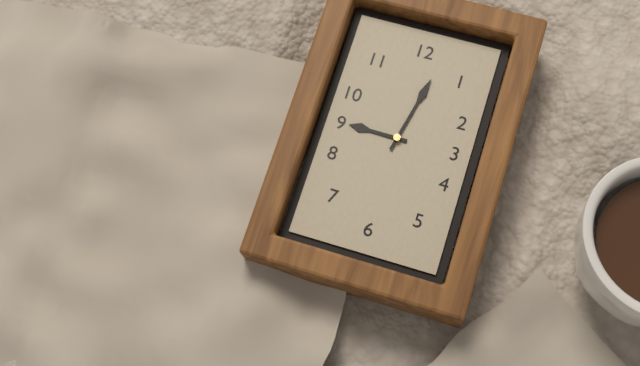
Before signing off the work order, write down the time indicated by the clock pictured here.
9:02
